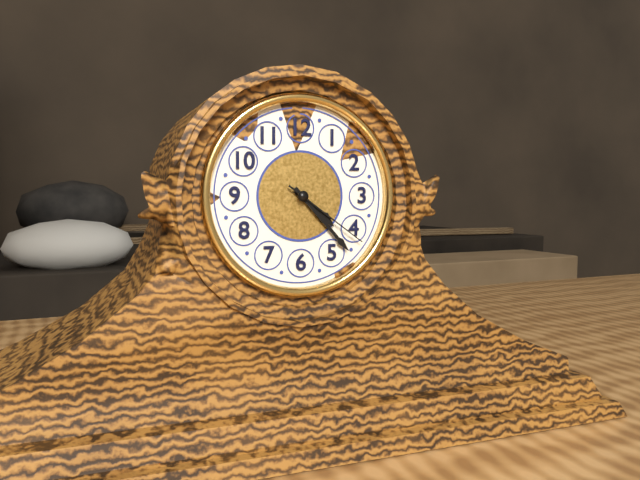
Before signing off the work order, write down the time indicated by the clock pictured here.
4:23:21
